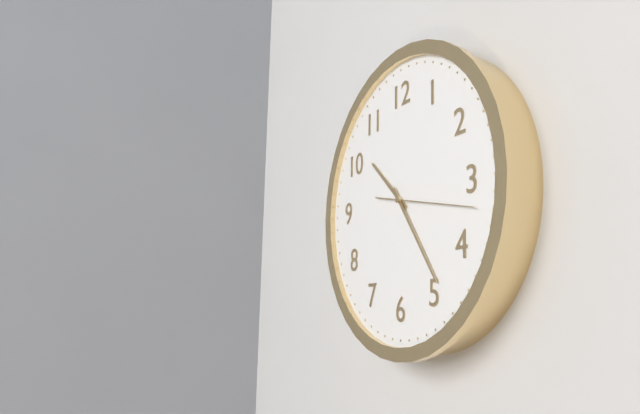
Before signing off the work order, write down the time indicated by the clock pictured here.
10:24:17
